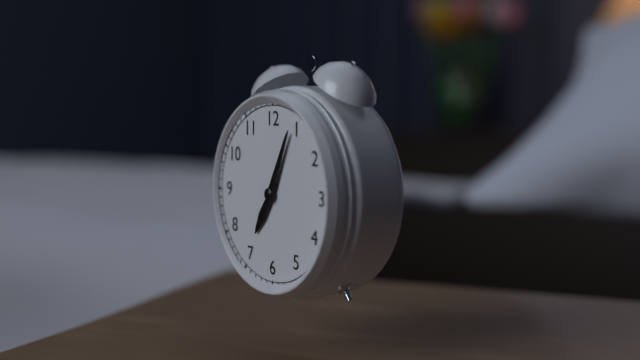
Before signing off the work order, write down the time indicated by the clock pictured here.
7:04
